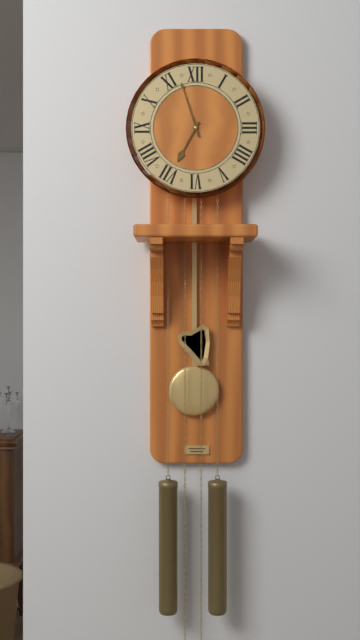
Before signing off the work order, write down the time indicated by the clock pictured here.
6:57
